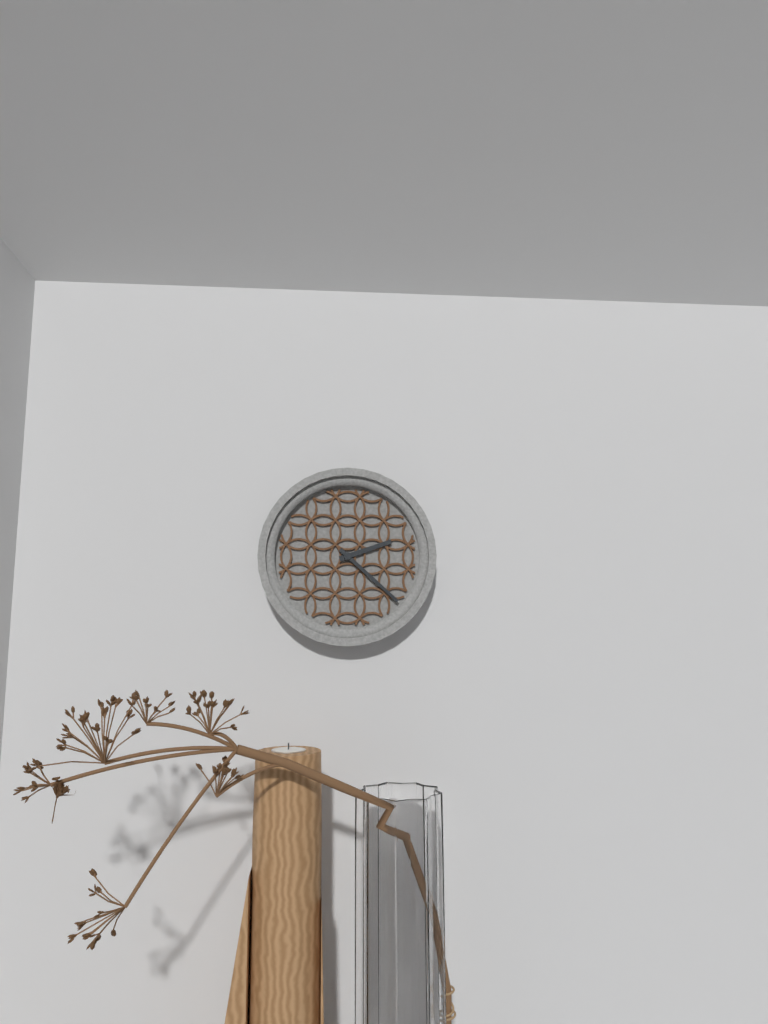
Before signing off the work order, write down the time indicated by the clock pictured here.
2:22
